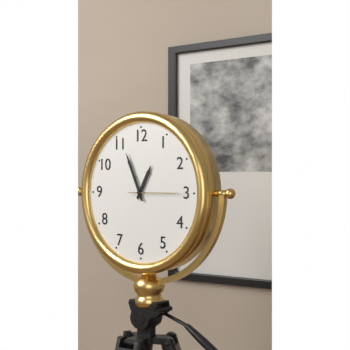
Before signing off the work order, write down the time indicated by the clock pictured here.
12:56:15
